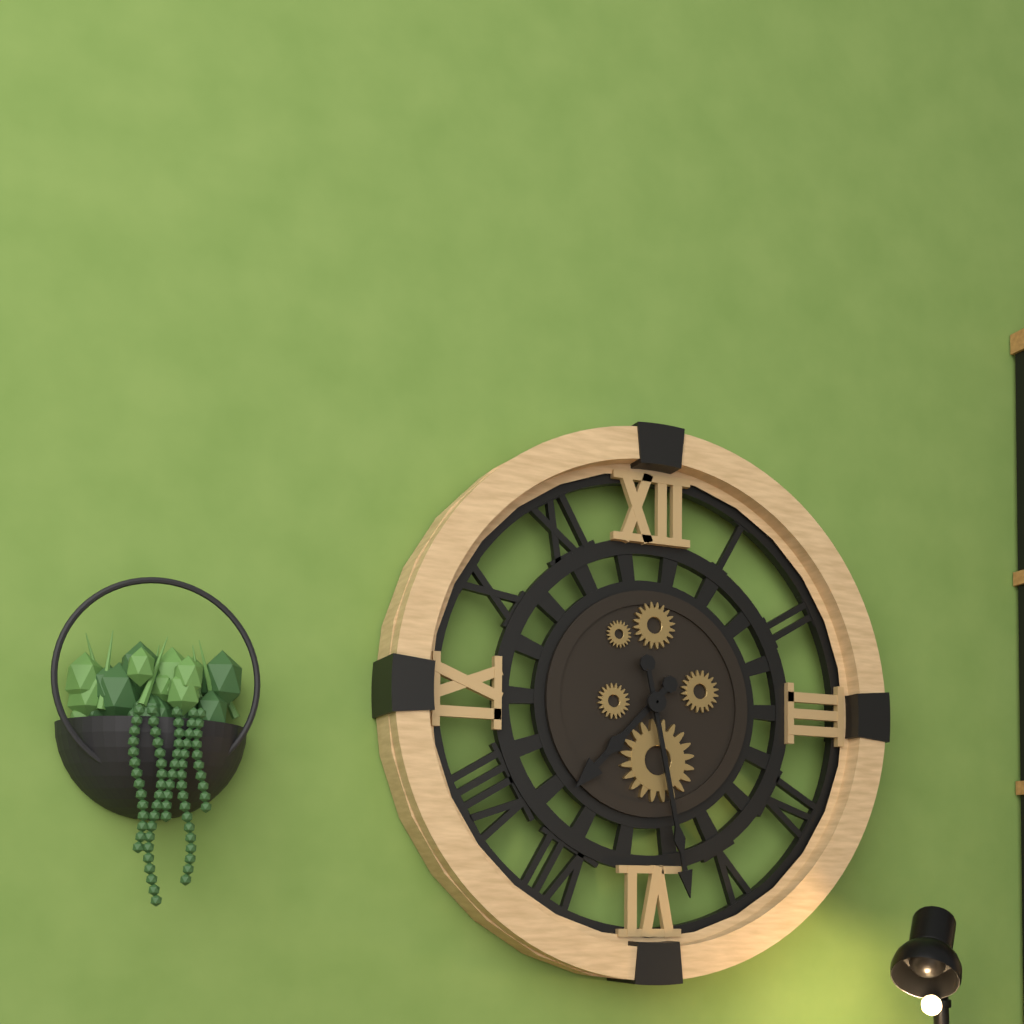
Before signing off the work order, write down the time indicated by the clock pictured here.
7:28
